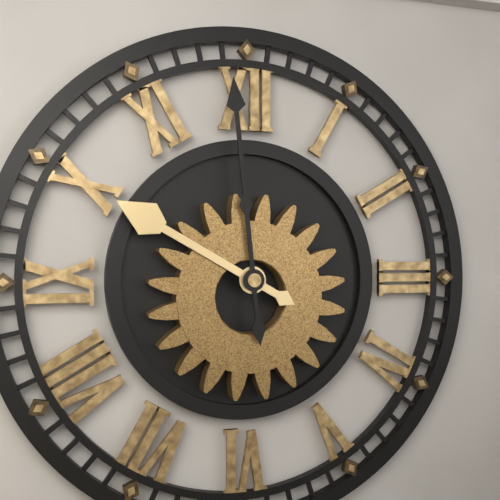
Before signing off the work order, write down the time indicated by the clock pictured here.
9:59
